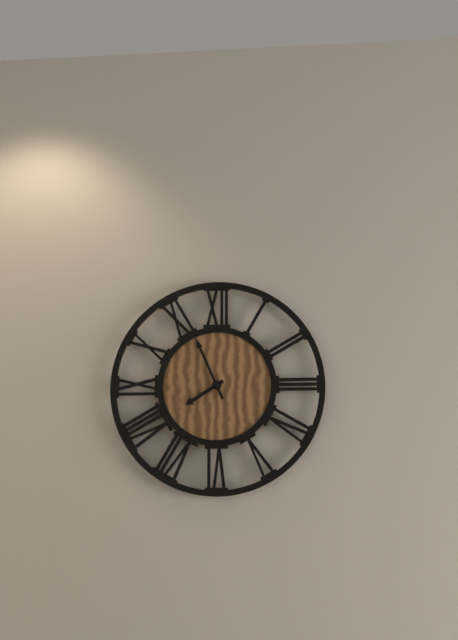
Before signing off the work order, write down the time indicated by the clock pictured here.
7:56
